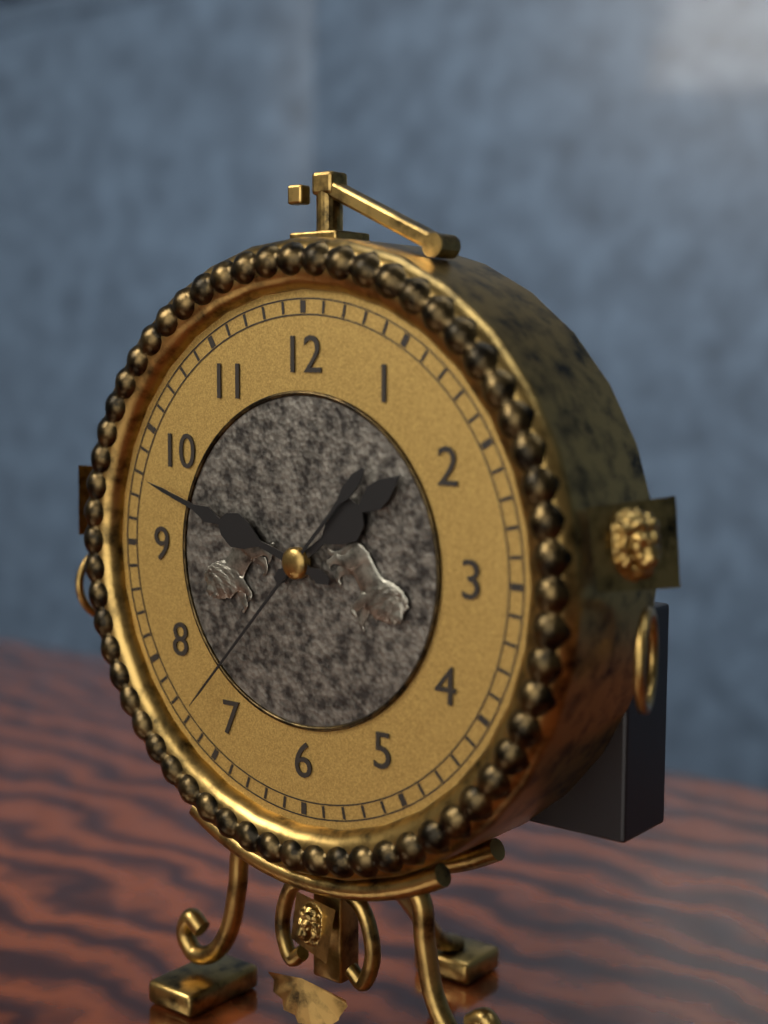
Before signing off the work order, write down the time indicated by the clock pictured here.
1:48:37
